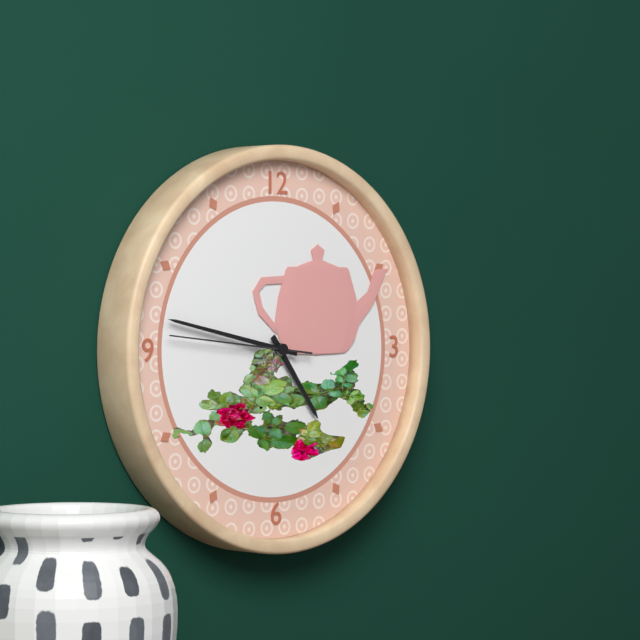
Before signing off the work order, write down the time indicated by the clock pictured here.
4:47:46
